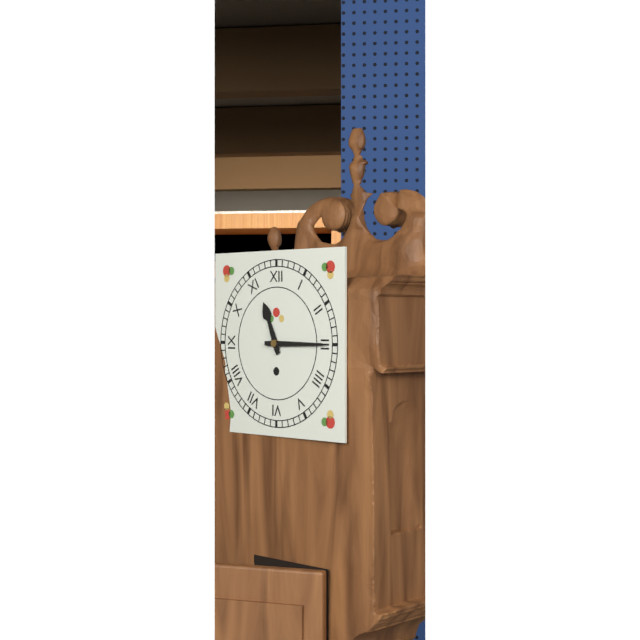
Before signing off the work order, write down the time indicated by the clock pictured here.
11:15
